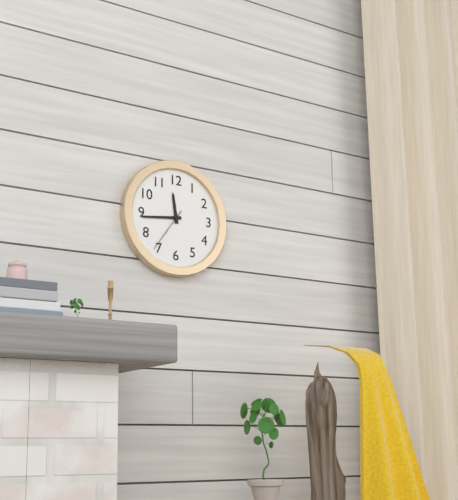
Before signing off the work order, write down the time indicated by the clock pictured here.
11:44
